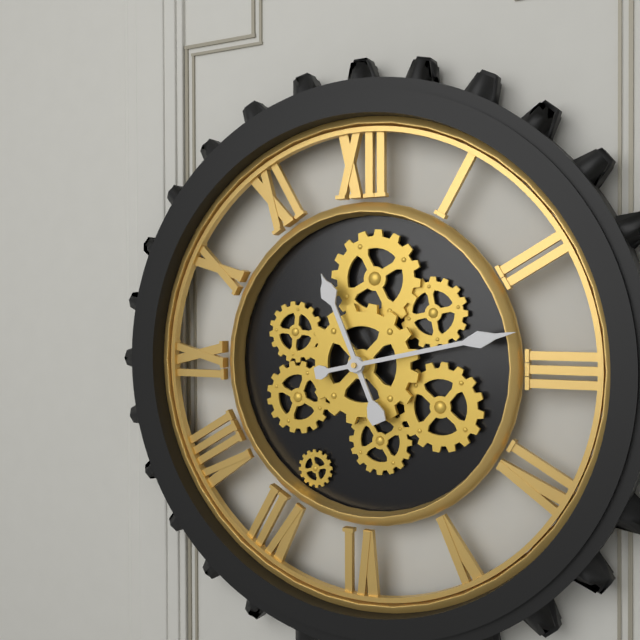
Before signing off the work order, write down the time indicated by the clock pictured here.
11:13
